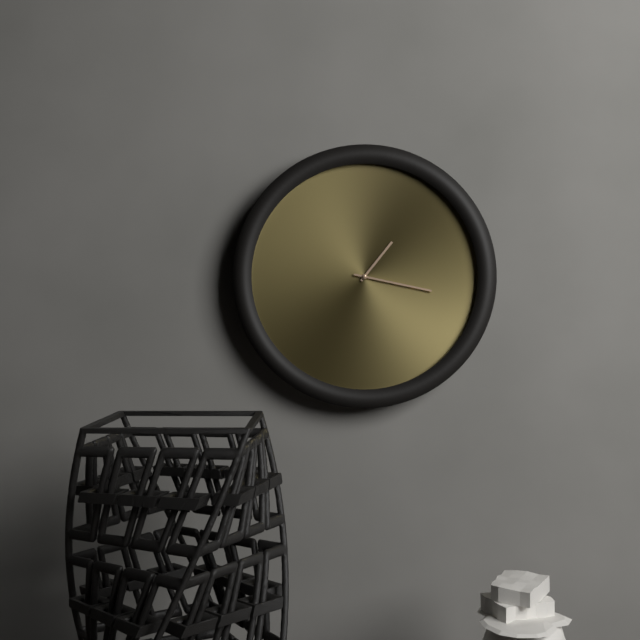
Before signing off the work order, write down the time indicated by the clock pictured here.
1:17
